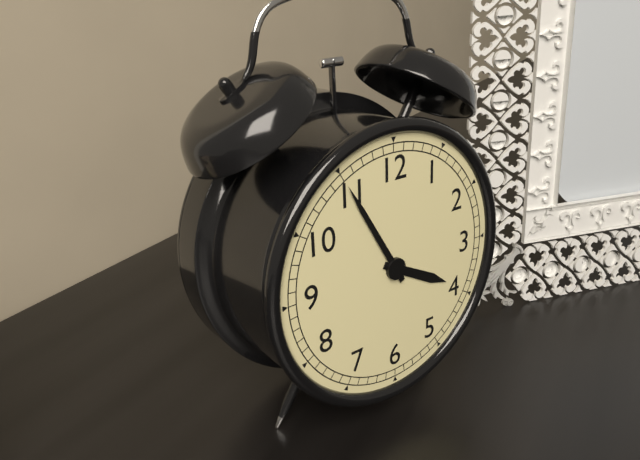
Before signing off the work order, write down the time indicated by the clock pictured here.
3:55
